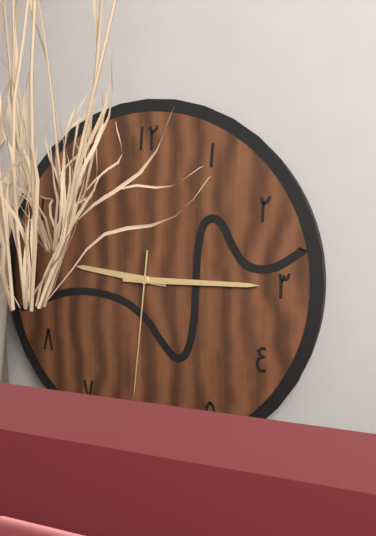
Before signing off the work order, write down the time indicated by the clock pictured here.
9:15:31
